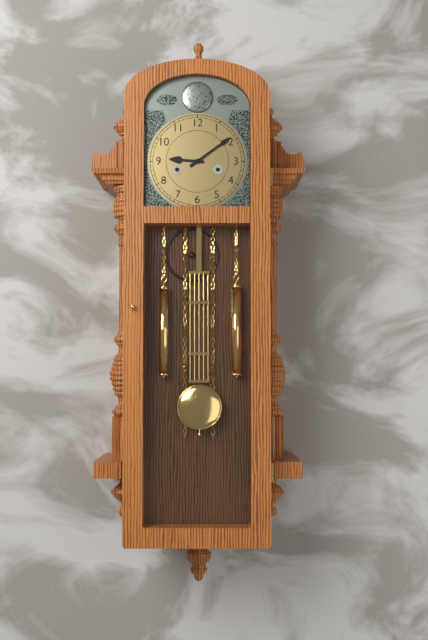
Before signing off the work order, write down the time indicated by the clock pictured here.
9:09
